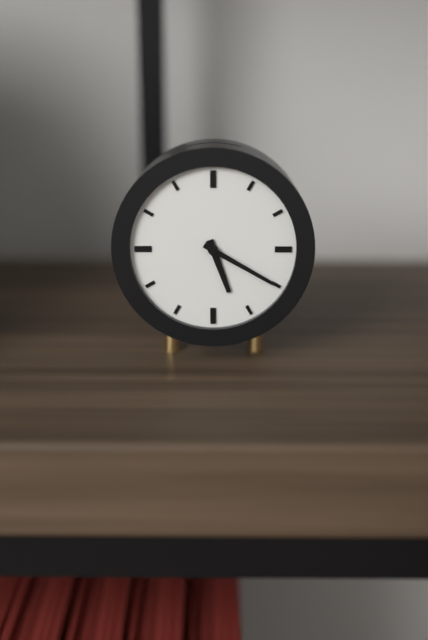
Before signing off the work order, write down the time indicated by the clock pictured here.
5:20
